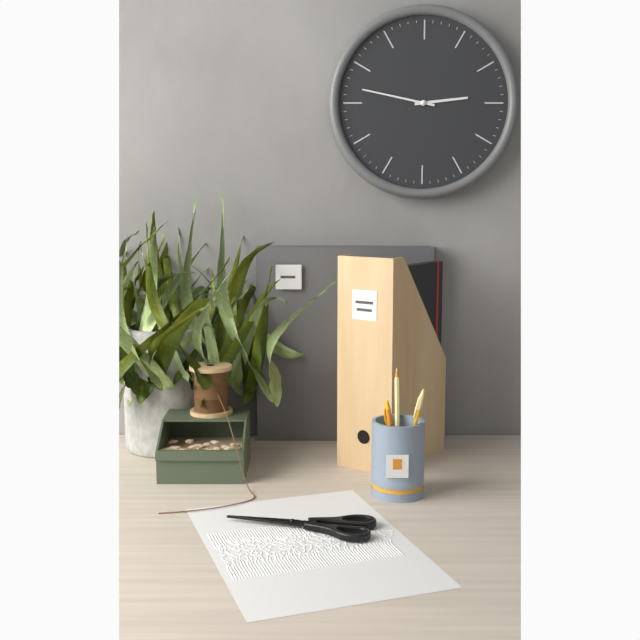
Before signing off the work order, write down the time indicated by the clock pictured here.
2:47
